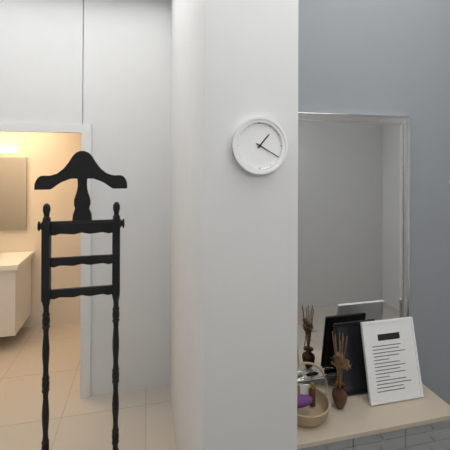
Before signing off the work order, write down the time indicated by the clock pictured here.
1:20
